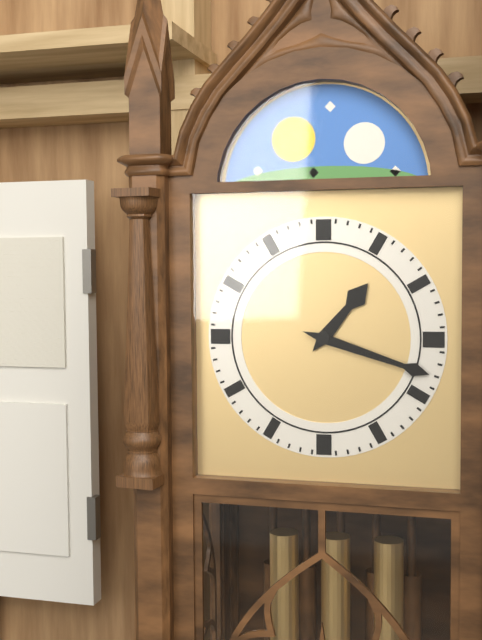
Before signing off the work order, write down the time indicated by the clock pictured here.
1:18
